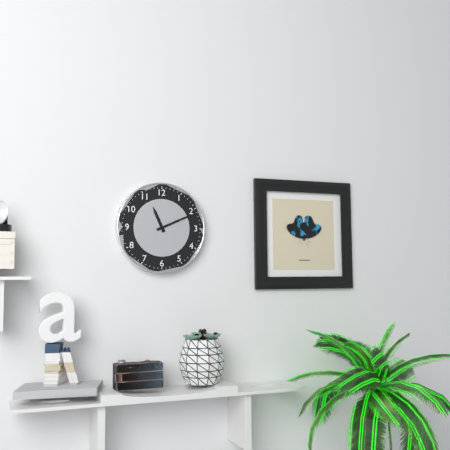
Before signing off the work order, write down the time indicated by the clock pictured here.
11:11
